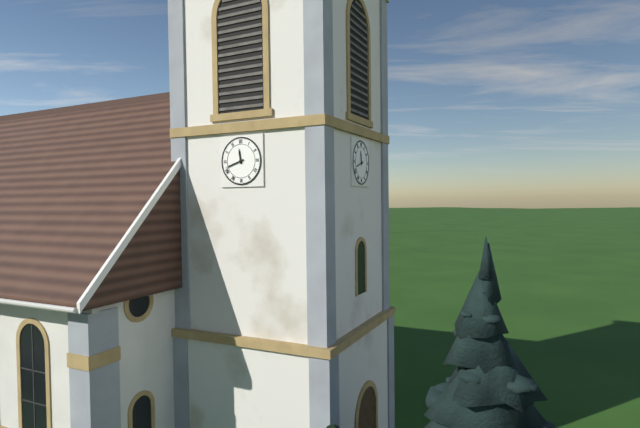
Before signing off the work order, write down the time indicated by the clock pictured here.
11:42
